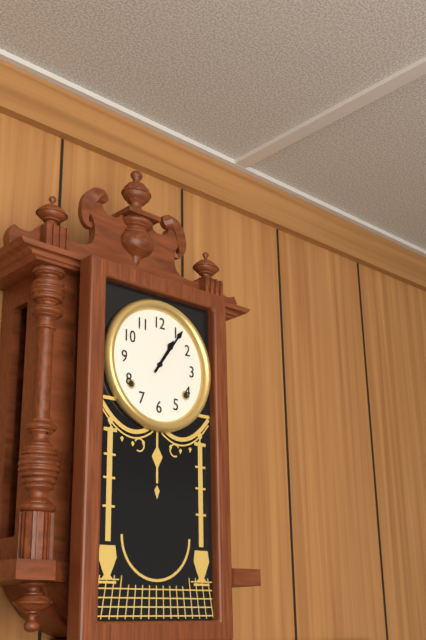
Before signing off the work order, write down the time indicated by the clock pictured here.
1:06
